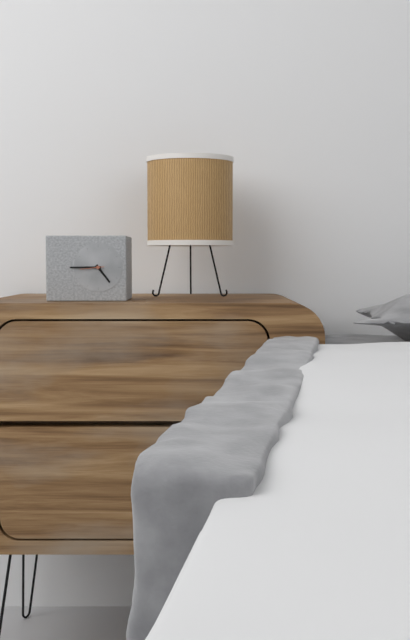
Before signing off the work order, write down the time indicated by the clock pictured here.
4:45
